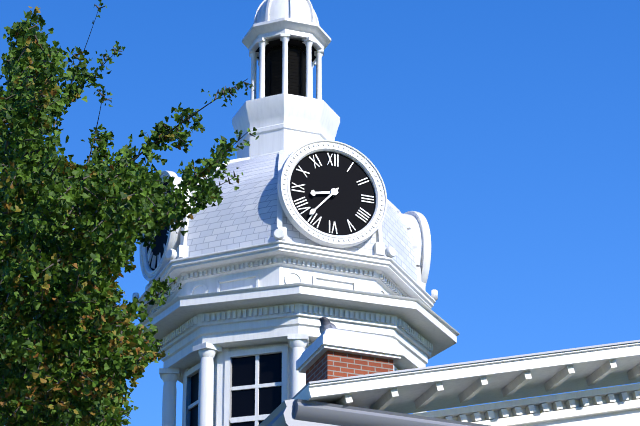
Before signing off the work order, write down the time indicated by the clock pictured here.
8:37
